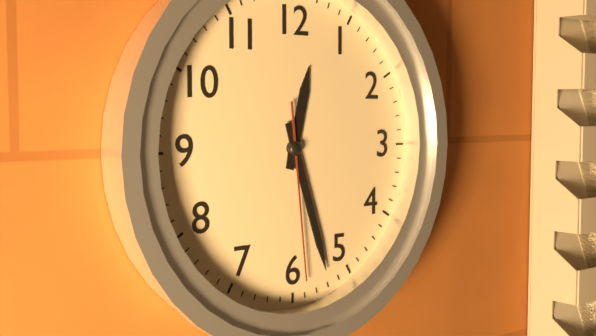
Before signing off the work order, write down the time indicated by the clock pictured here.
12:27:29
